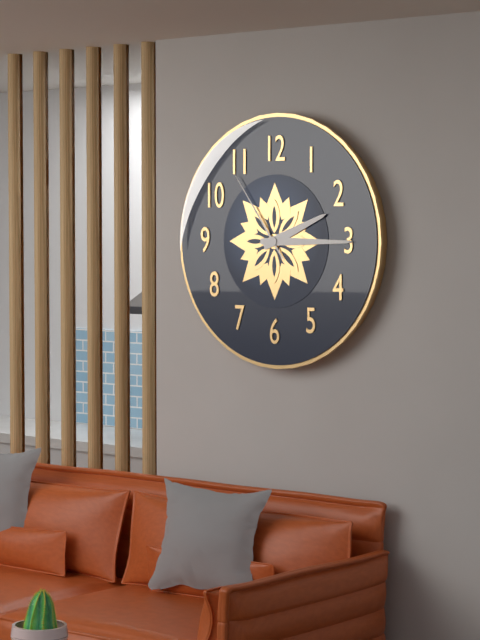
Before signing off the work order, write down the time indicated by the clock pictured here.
2:15:54
